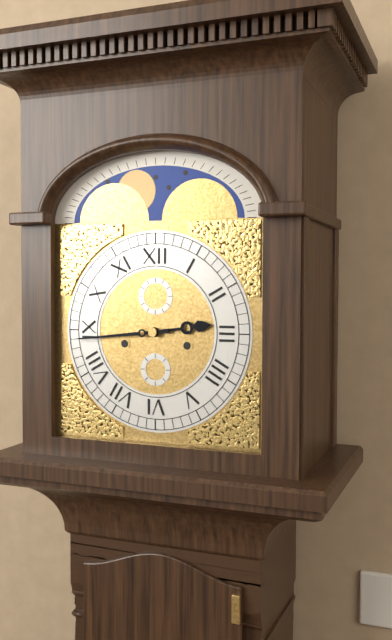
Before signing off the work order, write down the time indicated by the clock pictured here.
2:44
